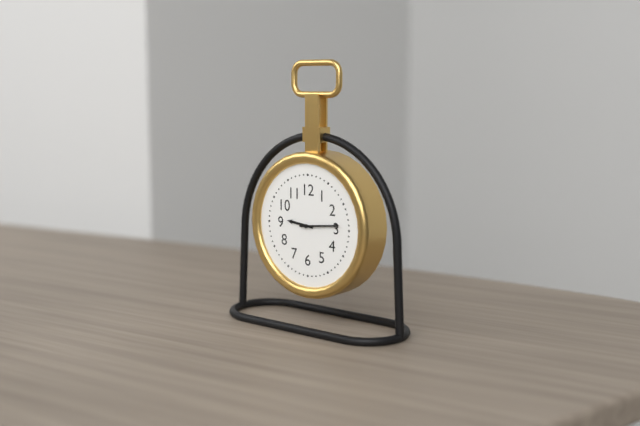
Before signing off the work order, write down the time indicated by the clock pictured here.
9:14
